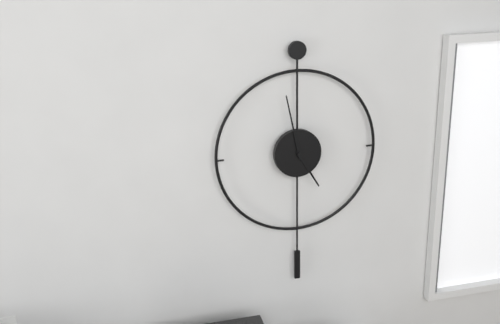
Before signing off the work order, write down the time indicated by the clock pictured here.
4:58
